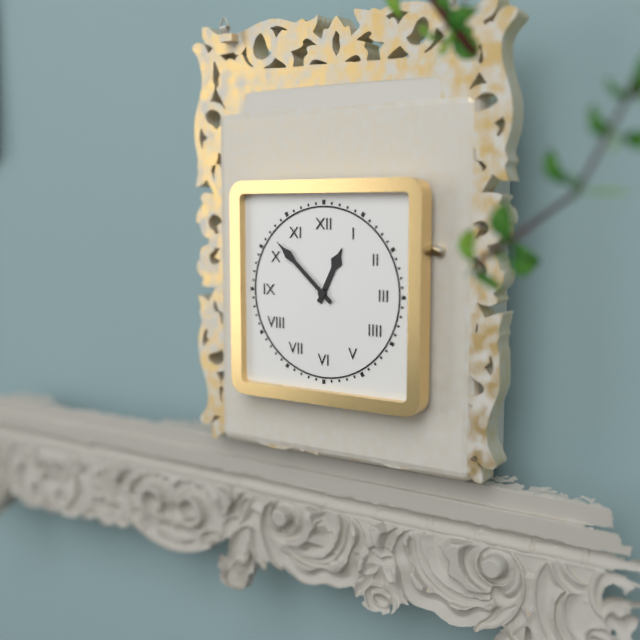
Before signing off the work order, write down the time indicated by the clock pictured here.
12:52
